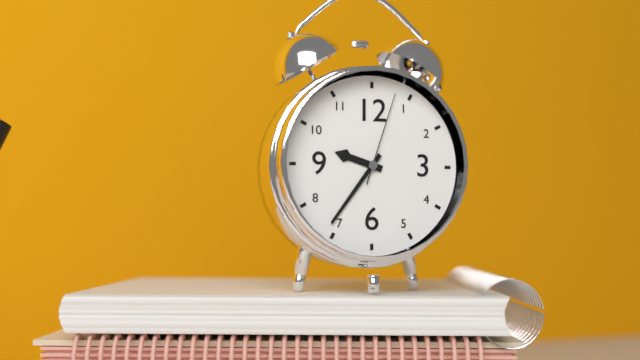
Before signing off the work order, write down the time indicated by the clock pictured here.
9:36:03
